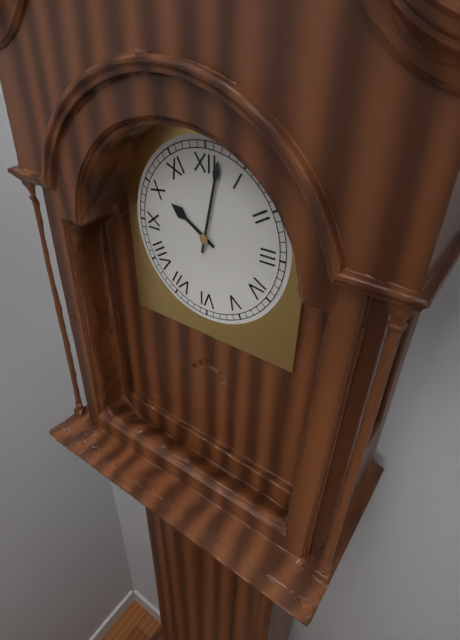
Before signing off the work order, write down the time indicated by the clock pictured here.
10:02
